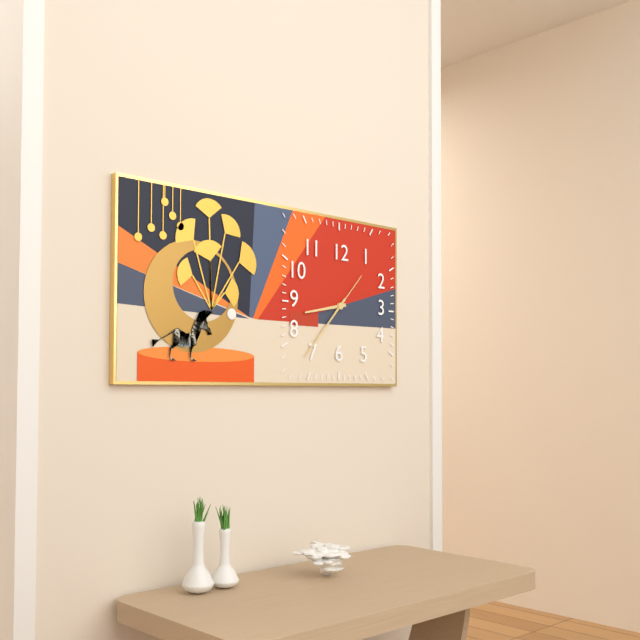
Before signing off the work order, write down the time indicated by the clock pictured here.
8:37
